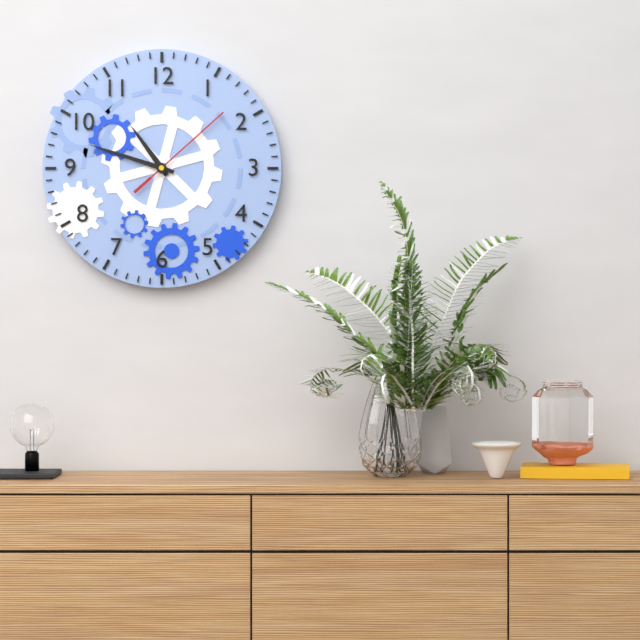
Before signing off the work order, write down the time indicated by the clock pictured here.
10:48:08
